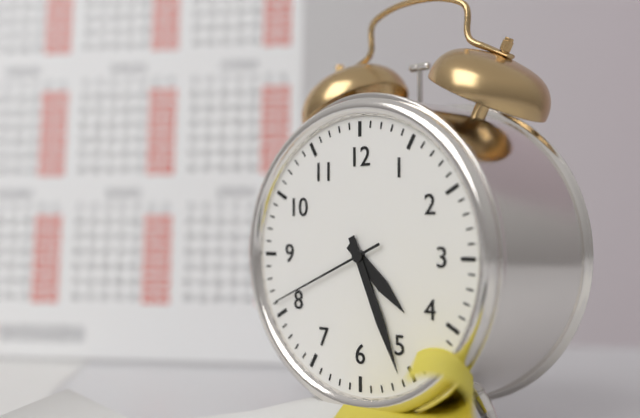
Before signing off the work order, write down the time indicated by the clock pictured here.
4:26:41
